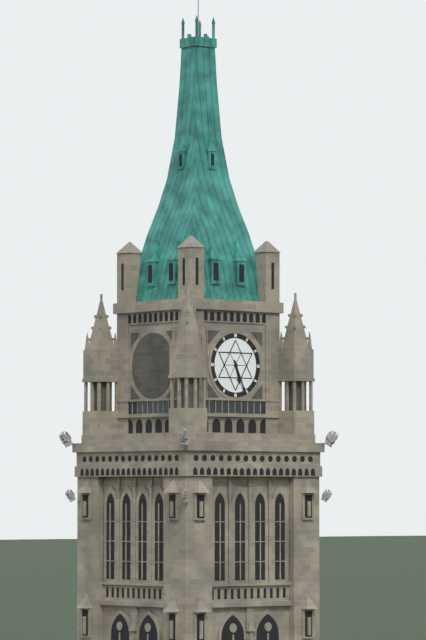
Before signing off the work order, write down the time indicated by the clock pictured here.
5:26
